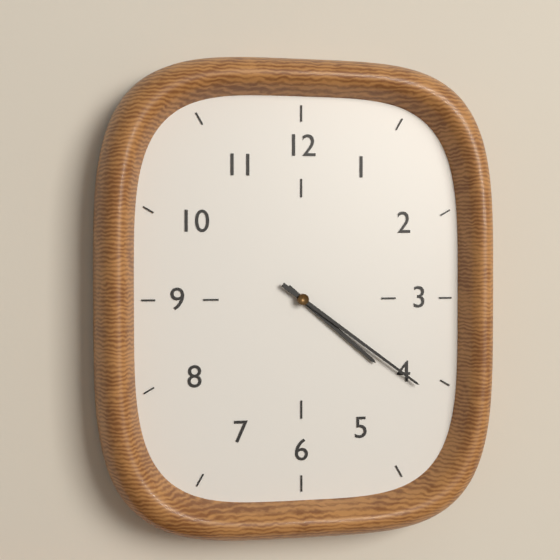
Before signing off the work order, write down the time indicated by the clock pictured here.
4:21
